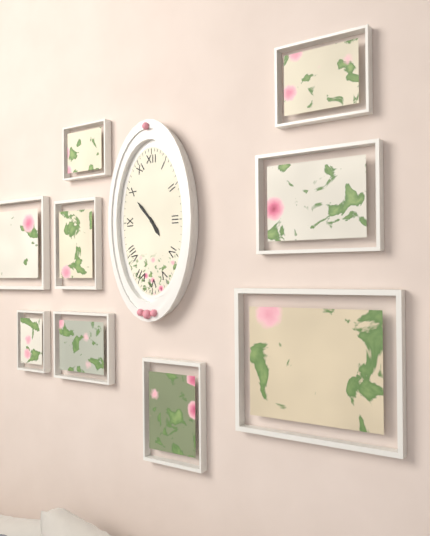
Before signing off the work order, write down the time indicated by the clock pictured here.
4:53
